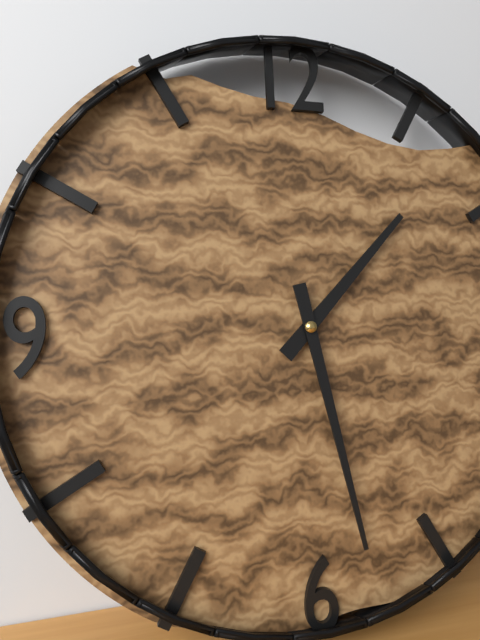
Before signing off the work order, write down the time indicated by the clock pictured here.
1:28
